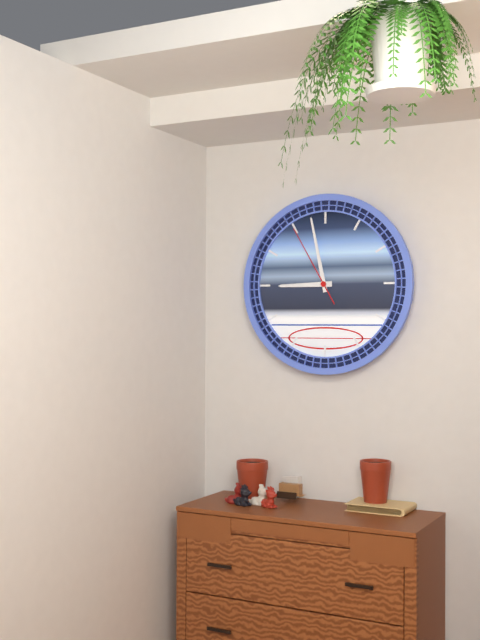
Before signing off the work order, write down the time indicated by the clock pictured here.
8:58:55
